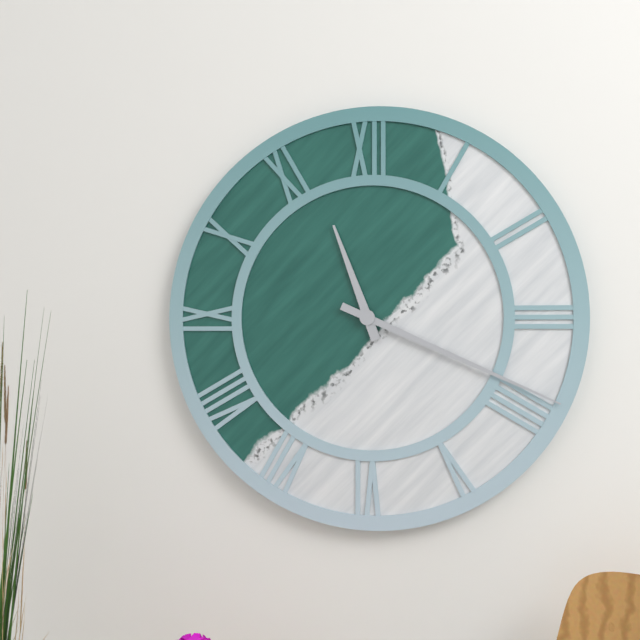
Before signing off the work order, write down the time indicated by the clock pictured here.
11:19
